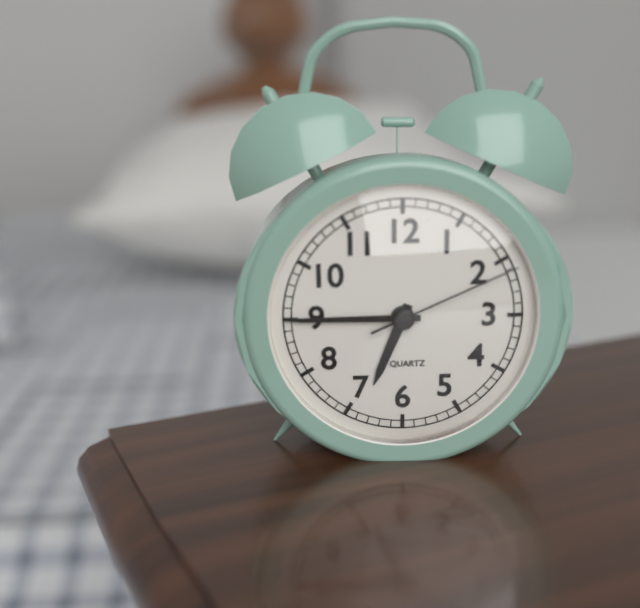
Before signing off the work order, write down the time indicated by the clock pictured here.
6:45:11
